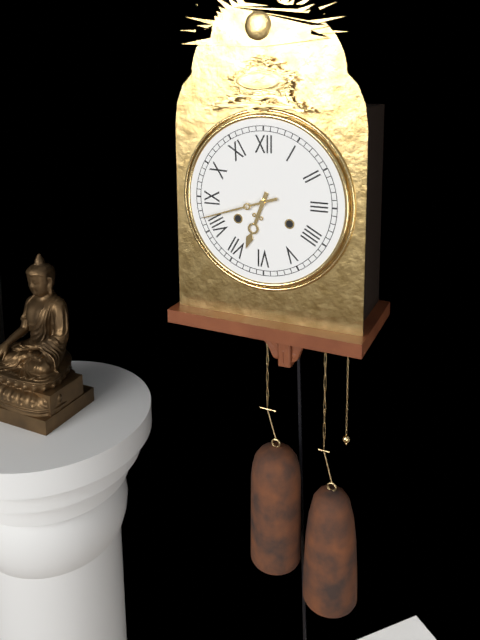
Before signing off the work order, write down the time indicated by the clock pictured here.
6:42
